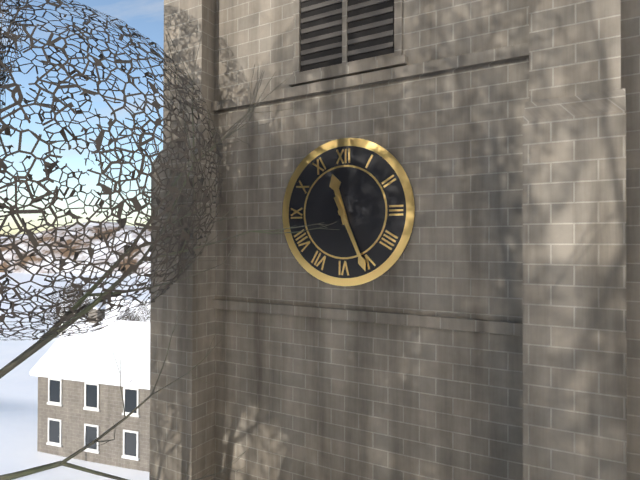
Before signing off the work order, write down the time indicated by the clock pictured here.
11:26
